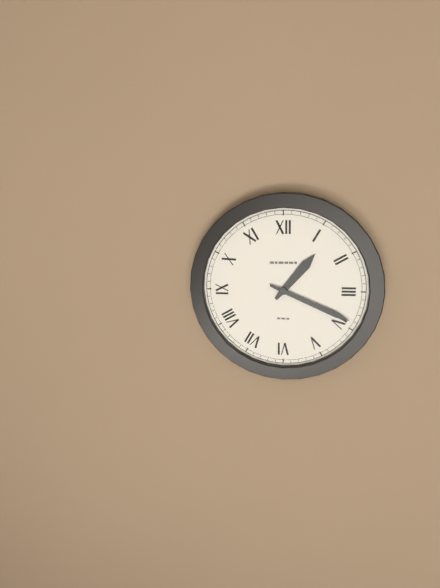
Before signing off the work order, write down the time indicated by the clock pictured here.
1:19
